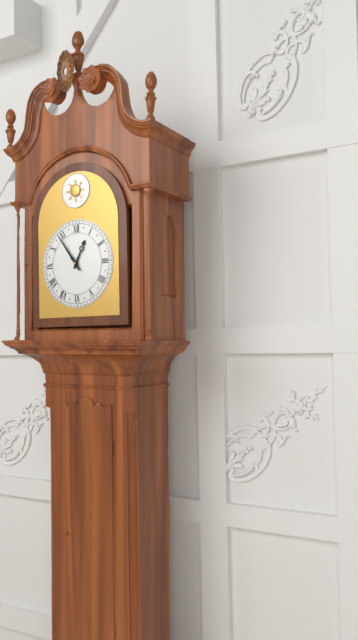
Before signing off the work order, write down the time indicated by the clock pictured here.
12:54
